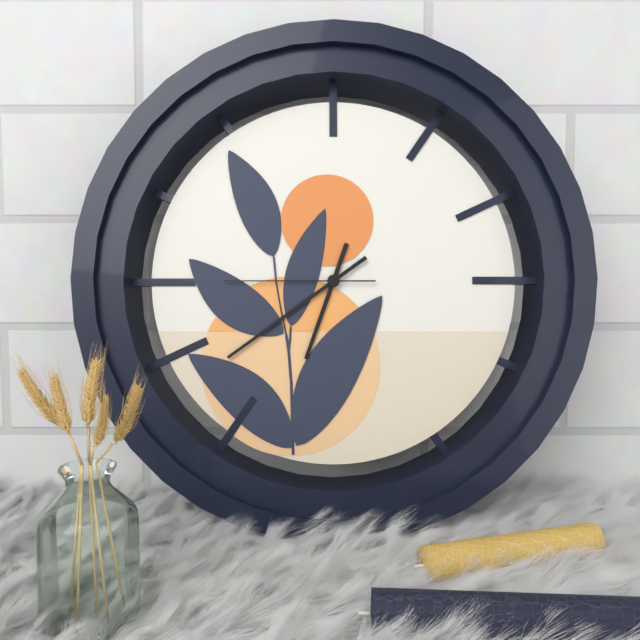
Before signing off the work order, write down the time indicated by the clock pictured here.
6:39:45
